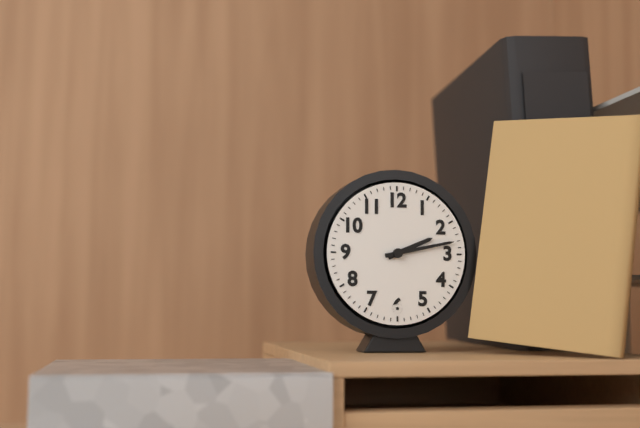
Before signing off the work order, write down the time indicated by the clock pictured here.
2:13
